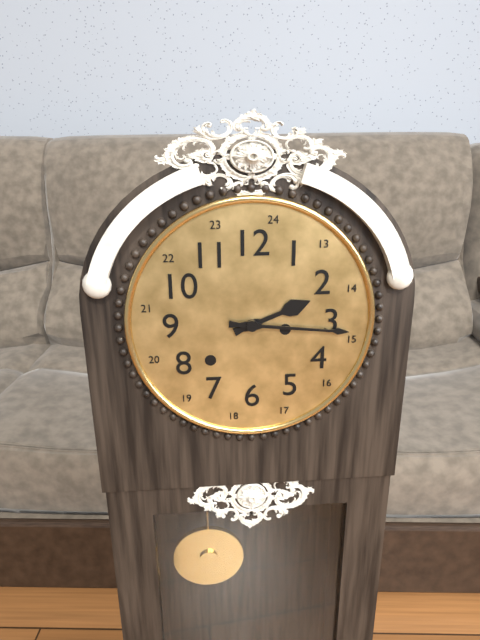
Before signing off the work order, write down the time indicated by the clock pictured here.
2:16
